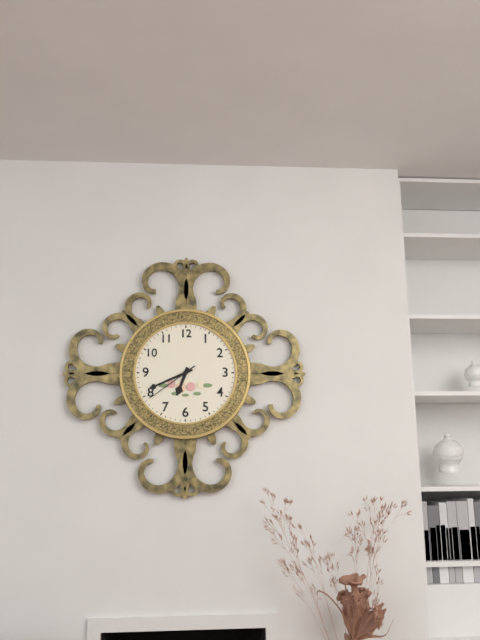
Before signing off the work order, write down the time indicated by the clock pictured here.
6:41:39
